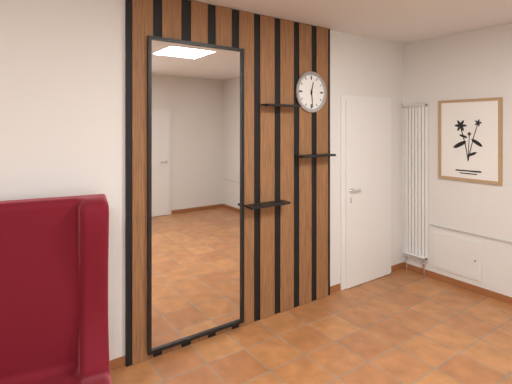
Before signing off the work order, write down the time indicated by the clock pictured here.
12:29
